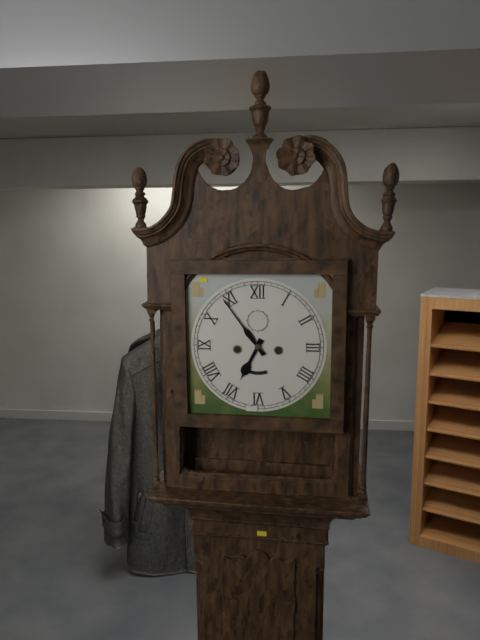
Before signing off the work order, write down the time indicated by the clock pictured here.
6:54
